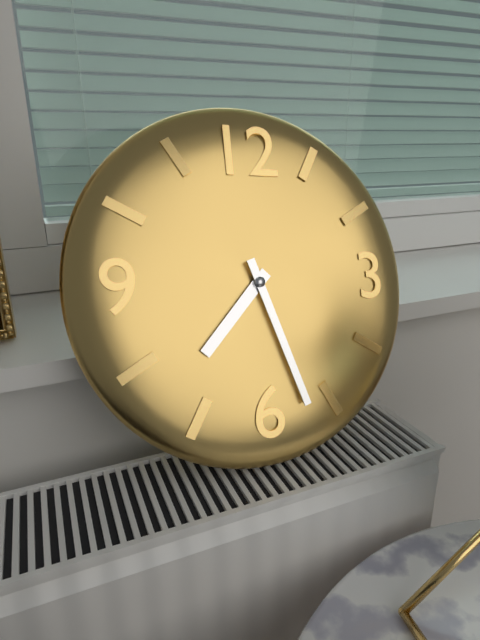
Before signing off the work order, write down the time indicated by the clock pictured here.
7:27
